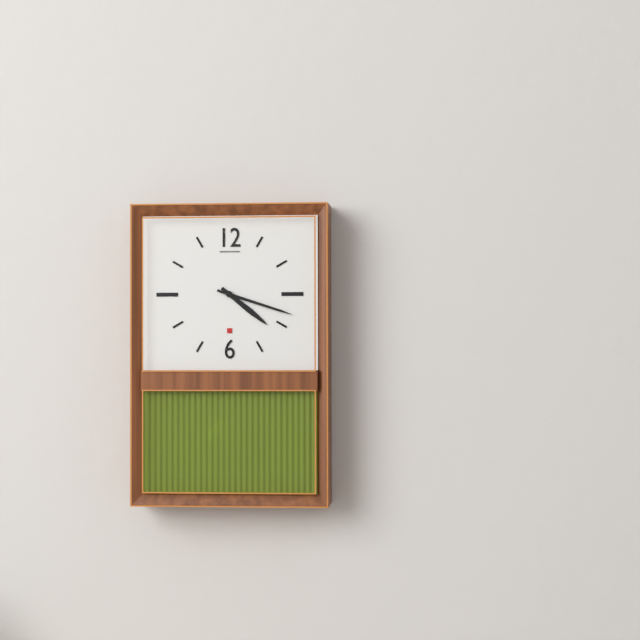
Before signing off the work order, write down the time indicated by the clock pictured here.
4:18
